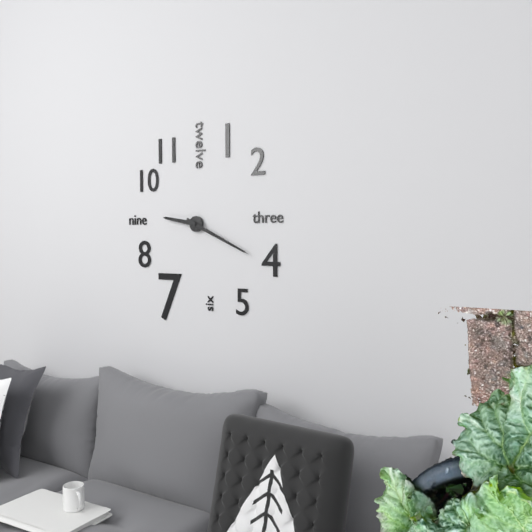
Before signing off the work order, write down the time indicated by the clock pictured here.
9:19
